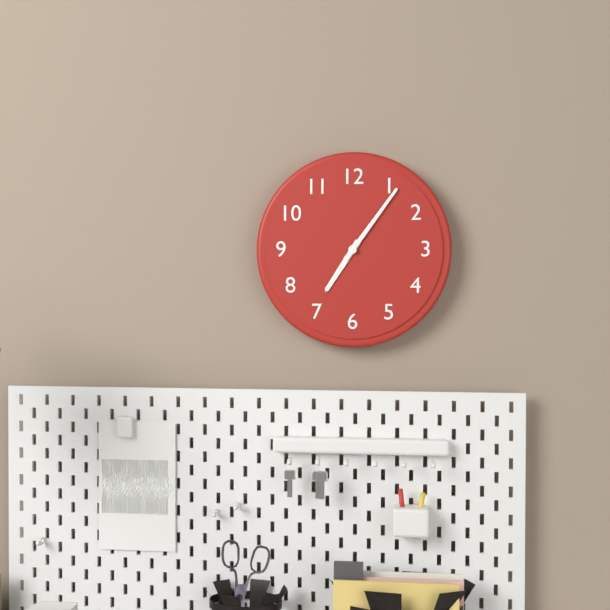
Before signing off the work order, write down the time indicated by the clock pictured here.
7:06
